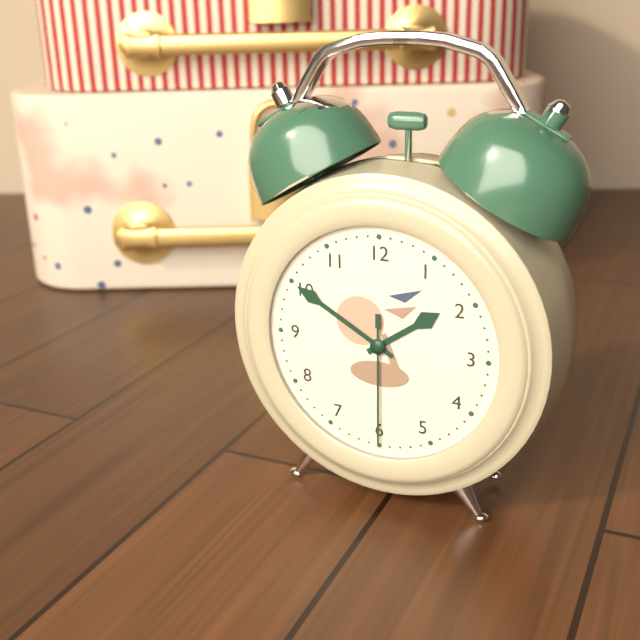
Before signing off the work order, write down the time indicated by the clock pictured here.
1:50:30
